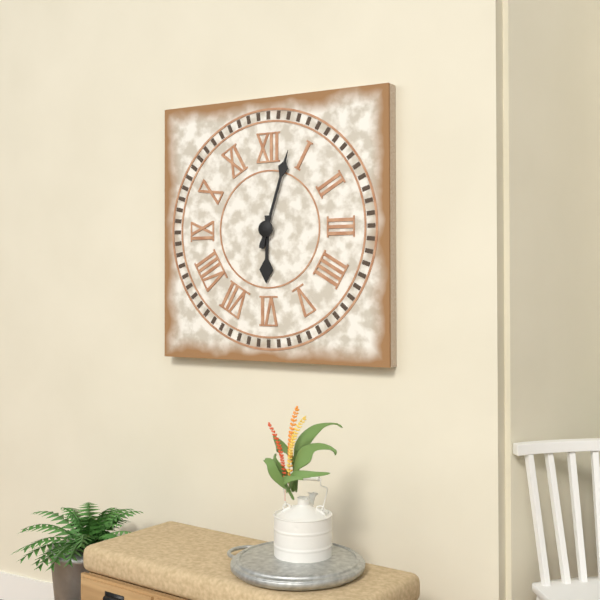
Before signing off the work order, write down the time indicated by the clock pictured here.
6:03
